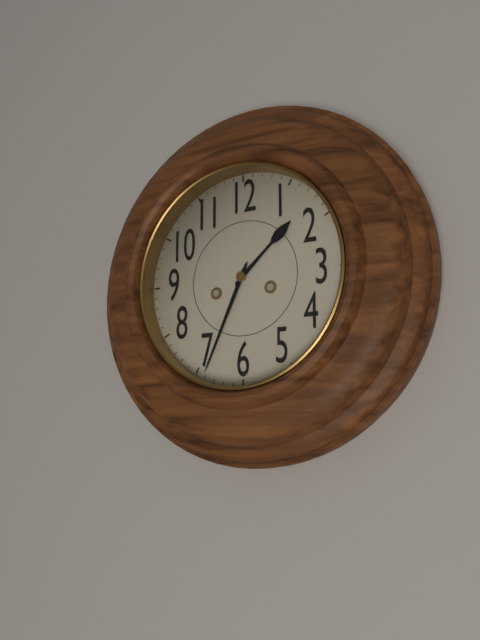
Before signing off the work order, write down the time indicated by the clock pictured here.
1:34
